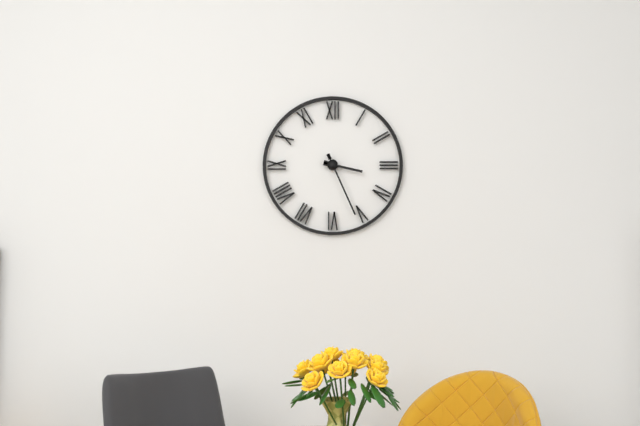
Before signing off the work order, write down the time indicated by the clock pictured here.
3:26
